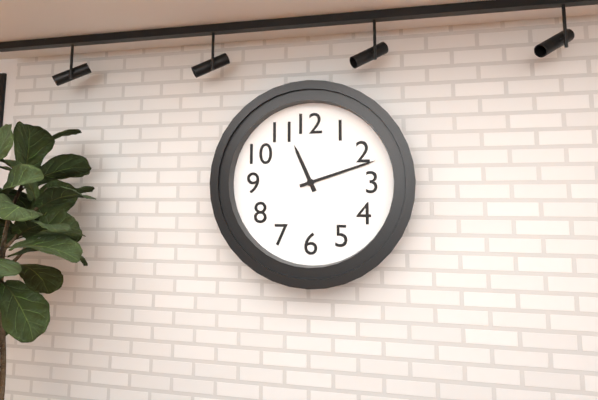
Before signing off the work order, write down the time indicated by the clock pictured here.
11:12
